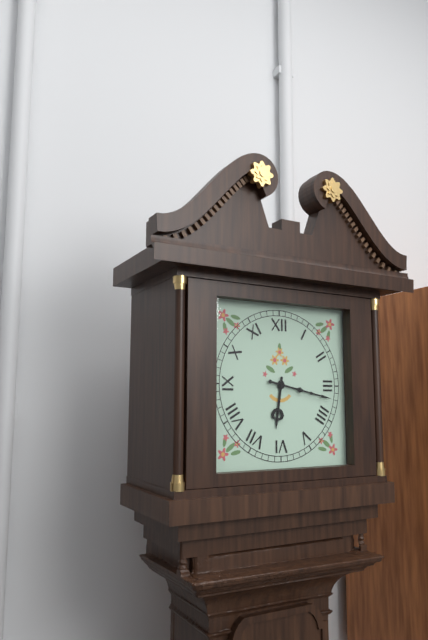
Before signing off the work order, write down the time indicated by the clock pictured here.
6:17
